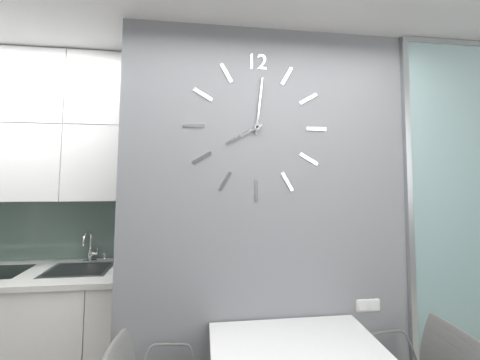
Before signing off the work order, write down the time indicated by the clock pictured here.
8:01
